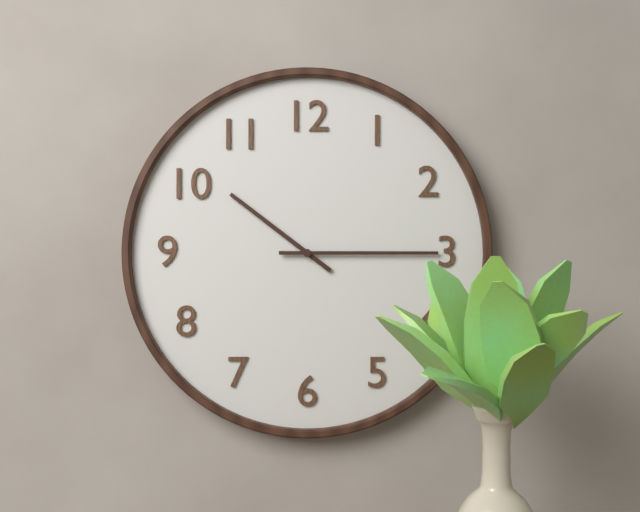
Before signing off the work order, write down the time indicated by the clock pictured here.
10:15
